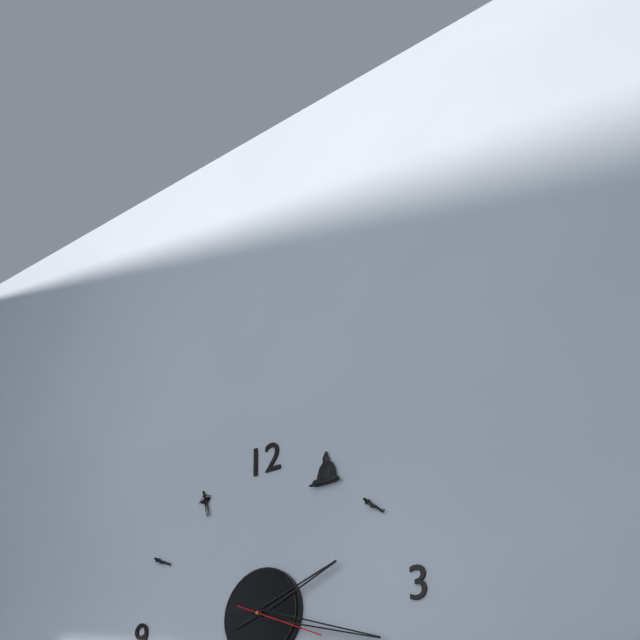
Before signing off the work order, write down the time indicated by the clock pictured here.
2:18:19
